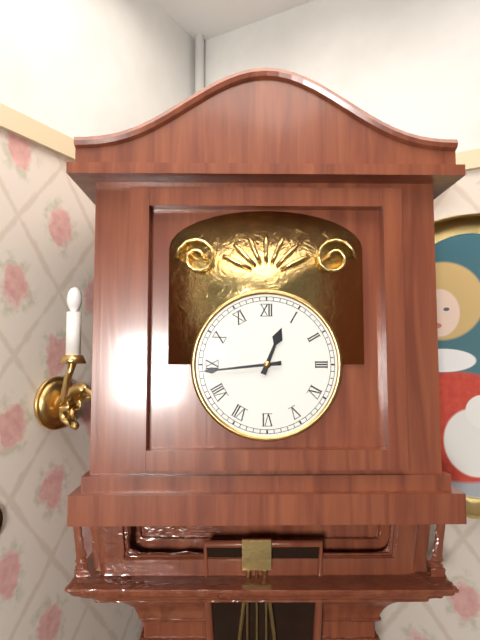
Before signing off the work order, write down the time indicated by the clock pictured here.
12:44
